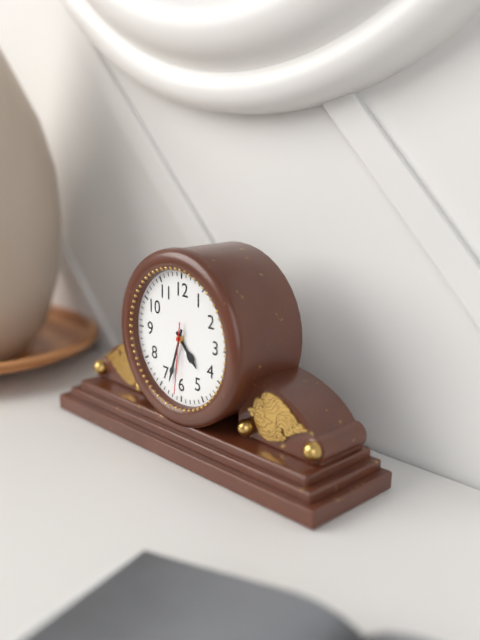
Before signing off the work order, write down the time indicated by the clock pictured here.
4:33:31
